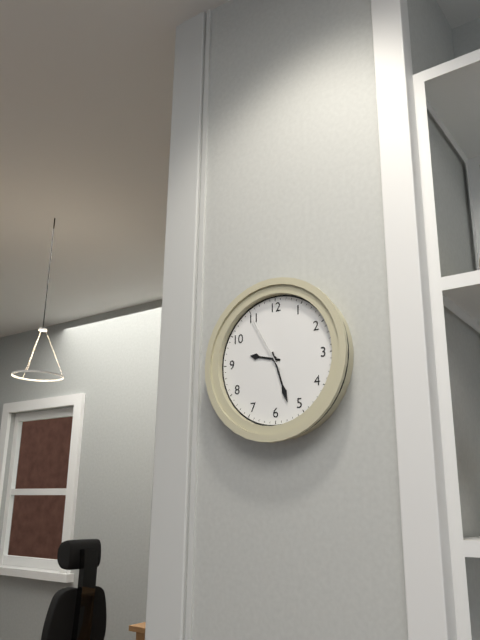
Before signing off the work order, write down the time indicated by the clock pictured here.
9:27:55
